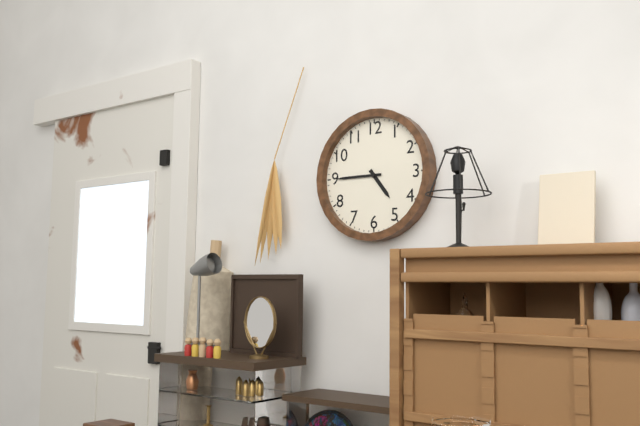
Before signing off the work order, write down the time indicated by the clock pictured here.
4:45
